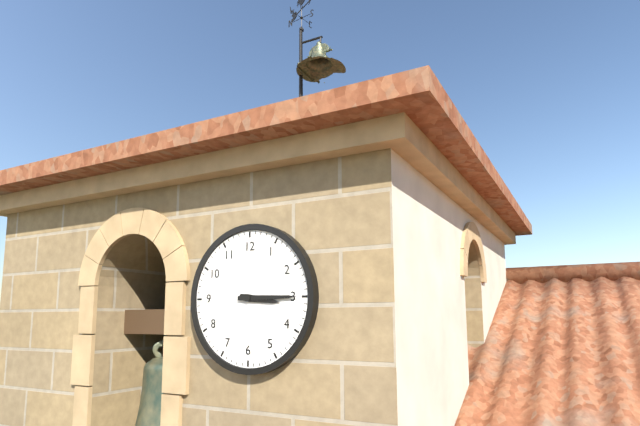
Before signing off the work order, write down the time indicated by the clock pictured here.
3:15
